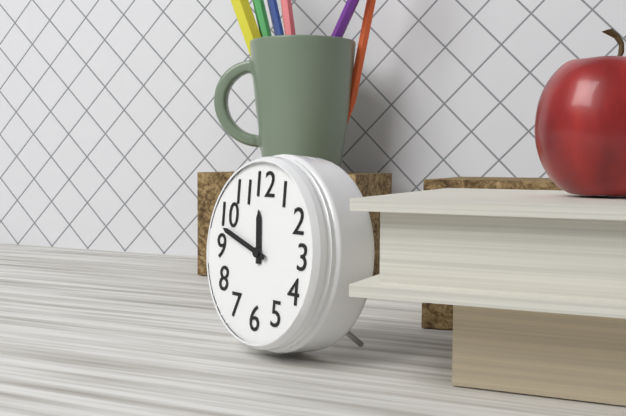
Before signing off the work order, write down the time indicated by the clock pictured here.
11:48
